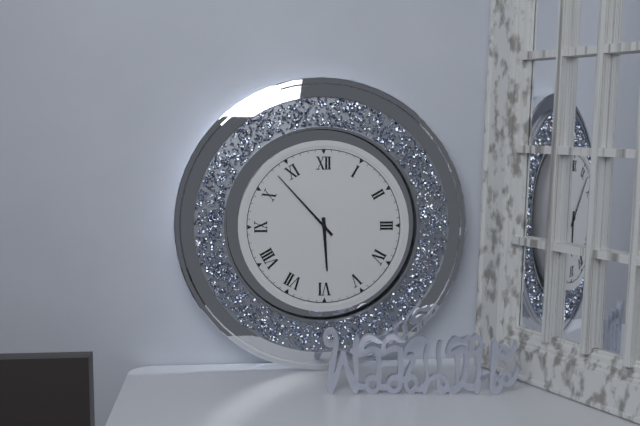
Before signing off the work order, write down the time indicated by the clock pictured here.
5:53
